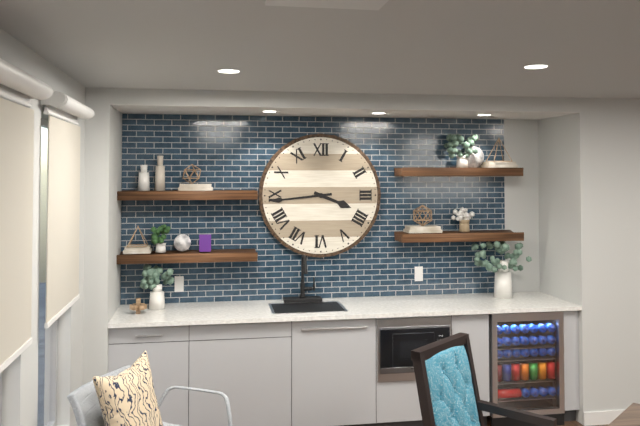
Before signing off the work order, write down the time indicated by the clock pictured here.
3:44
